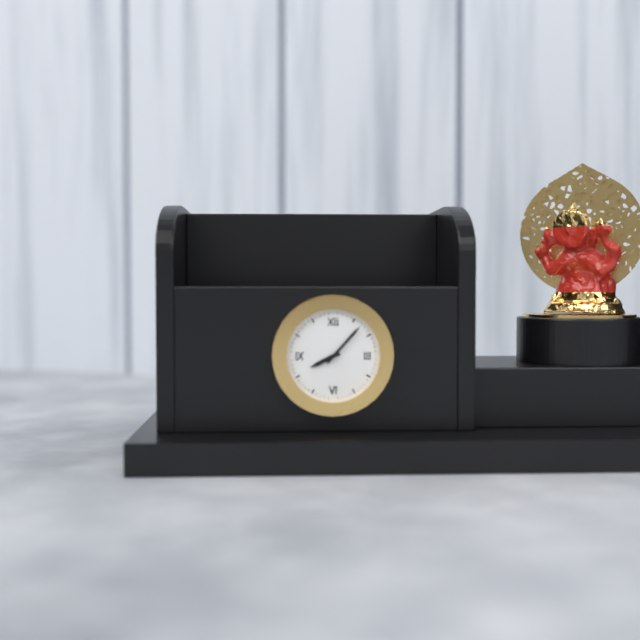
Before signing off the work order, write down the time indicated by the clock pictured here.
8:07
